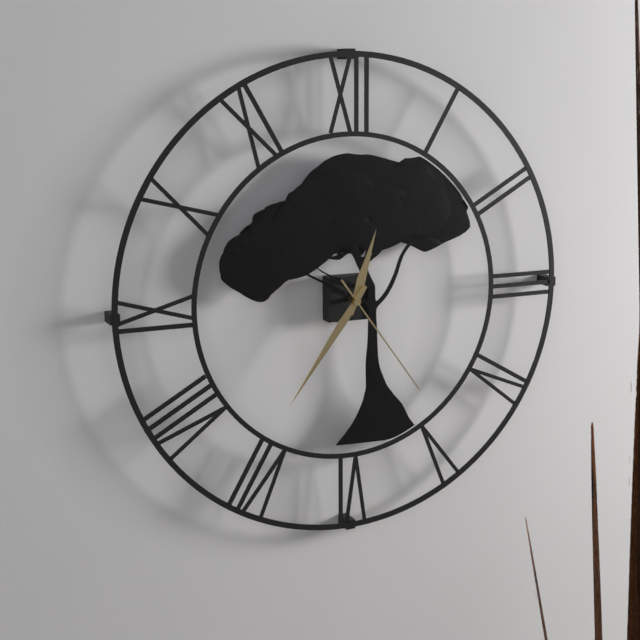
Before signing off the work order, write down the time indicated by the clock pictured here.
12:36:24
